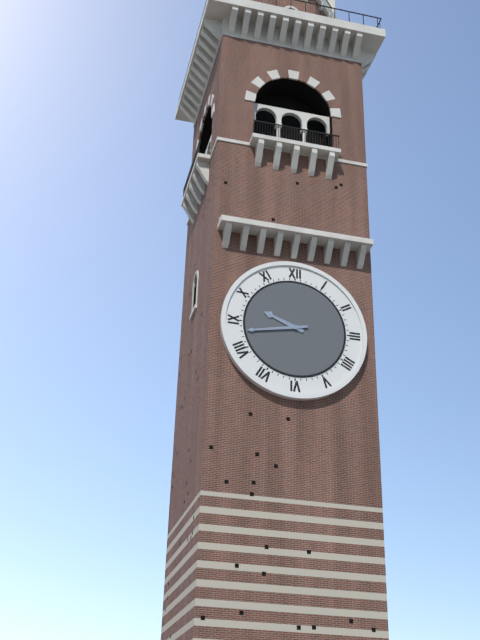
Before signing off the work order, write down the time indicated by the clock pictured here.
9:43
